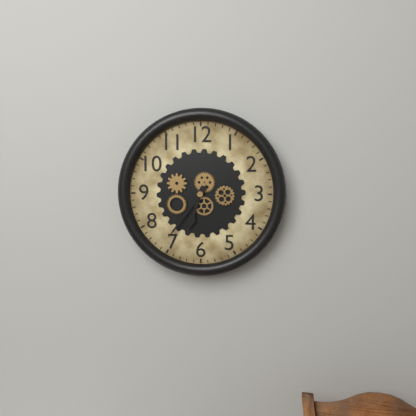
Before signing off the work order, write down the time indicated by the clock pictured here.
6:36
